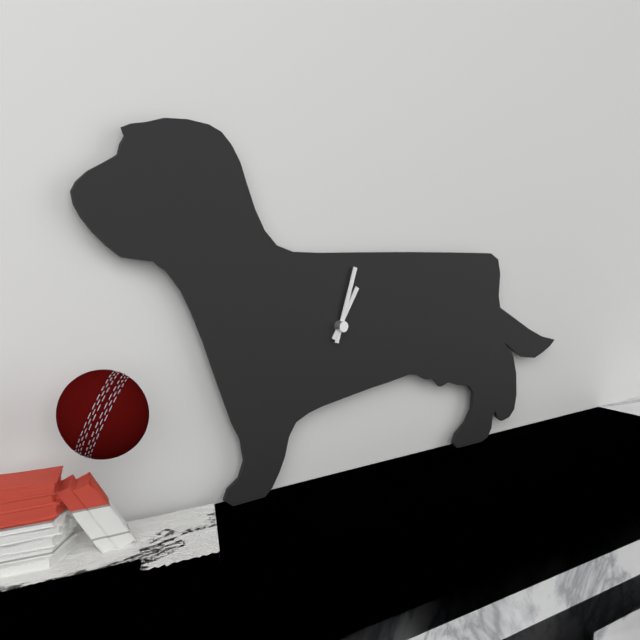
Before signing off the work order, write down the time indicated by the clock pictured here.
1:03
